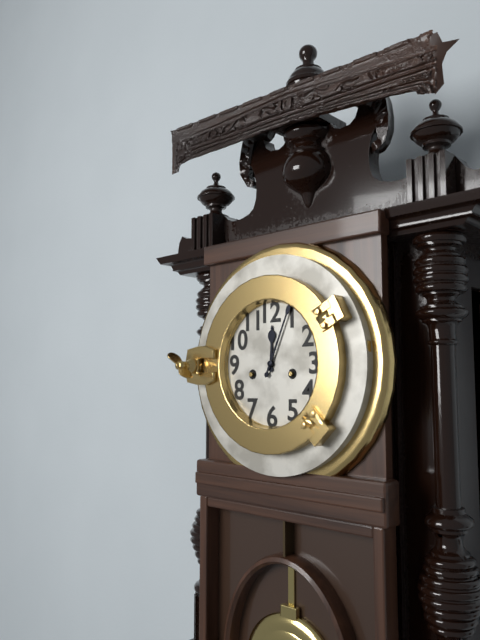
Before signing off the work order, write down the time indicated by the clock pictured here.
12:04
